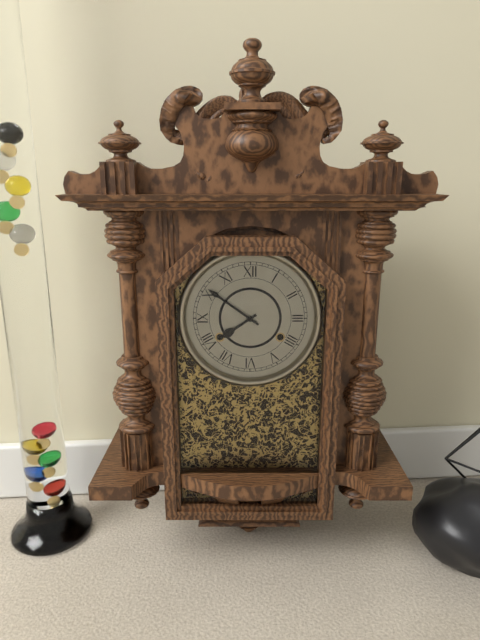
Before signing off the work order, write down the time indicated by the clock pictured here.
7:51
